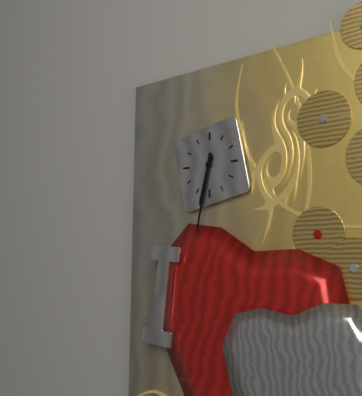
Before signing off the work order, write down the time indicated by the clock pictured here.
6:32
